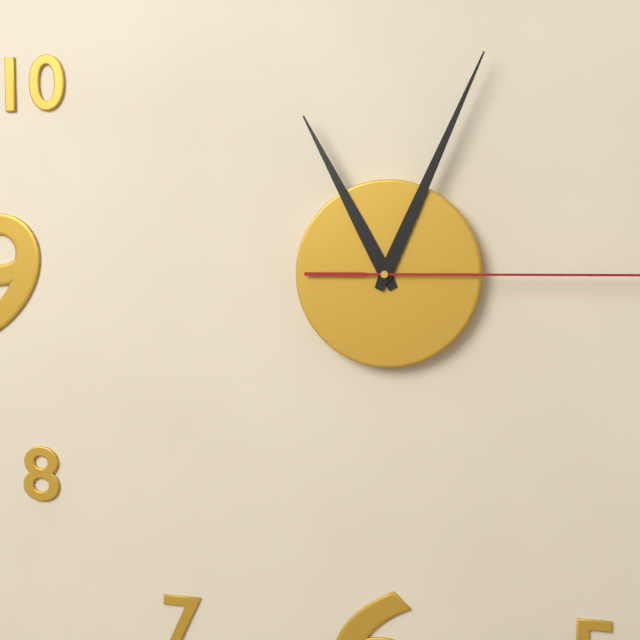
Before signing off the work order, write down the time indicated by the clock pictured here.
11:04
